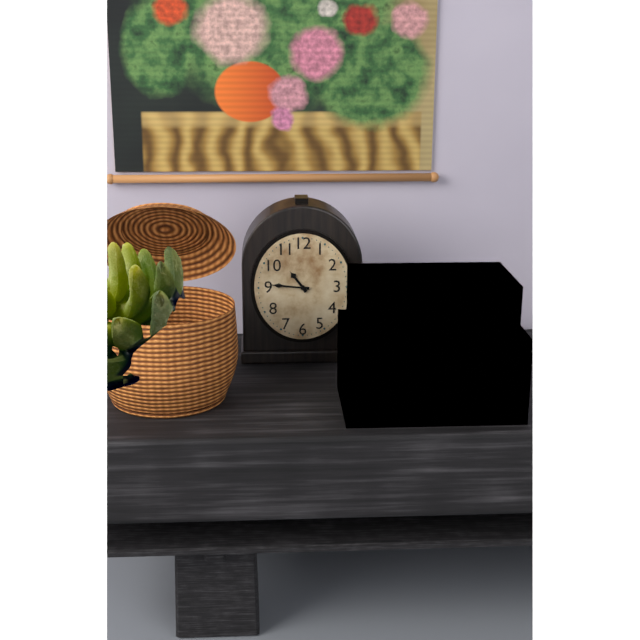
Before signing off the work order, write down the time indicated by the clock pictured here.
10:46
